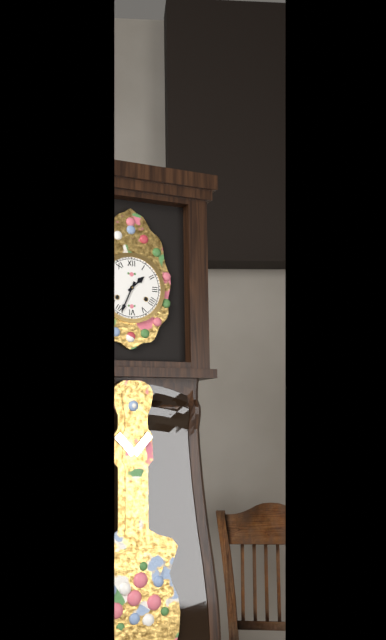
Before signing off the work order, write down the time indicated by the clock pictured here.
1:34
